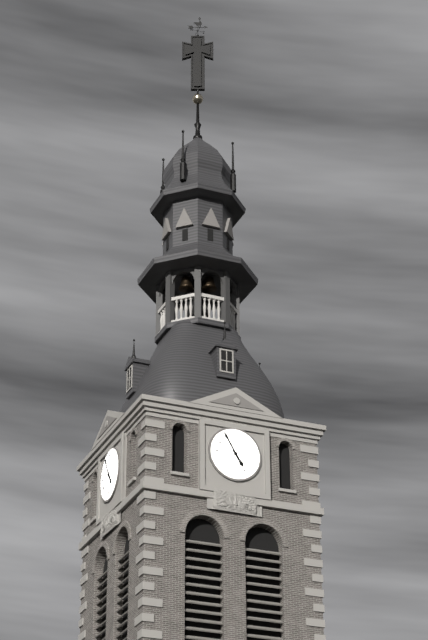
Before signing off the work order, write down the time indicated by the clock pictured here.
4:55
